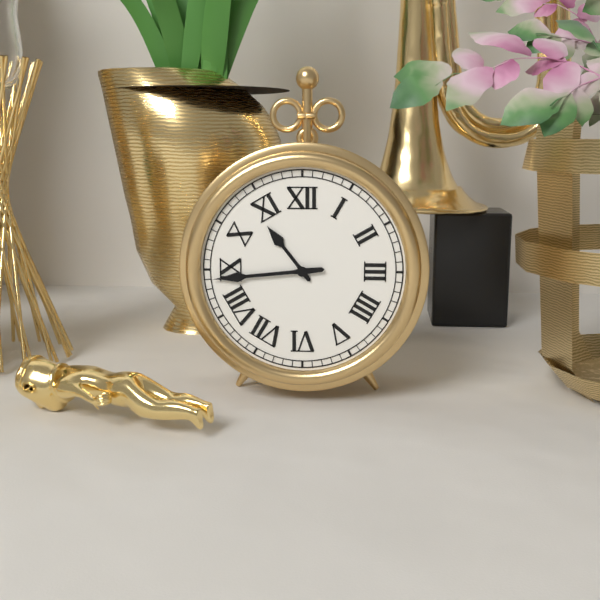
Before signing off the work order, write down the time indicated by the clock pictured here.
10:44
